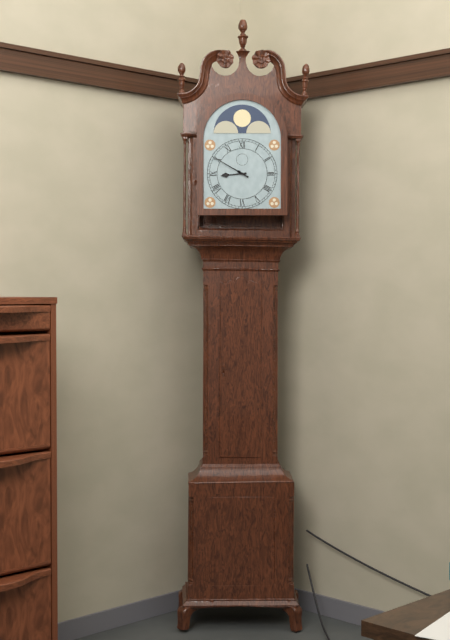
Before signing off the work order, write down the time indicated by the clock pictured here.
8:50
